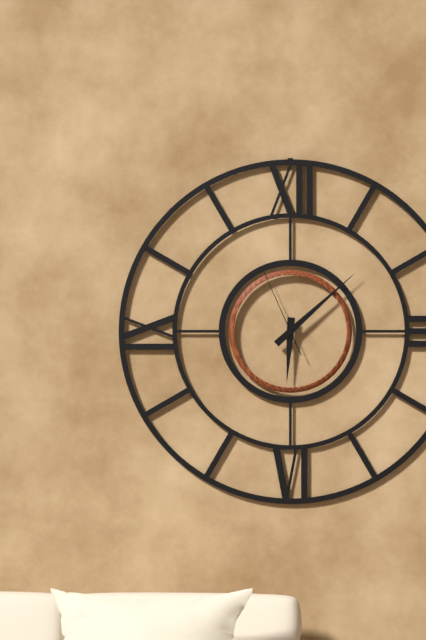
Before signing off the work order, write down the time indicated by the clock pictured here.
6:08:56
